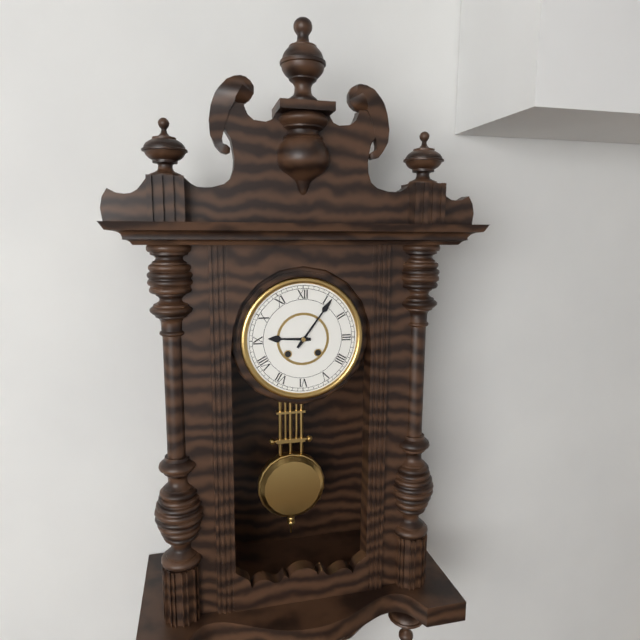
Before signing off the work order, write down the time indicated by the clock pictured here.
9:06
